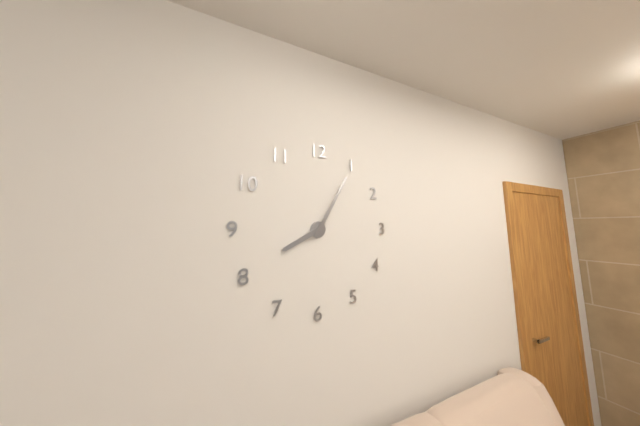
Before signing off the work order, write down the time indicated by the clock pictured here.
8:05
